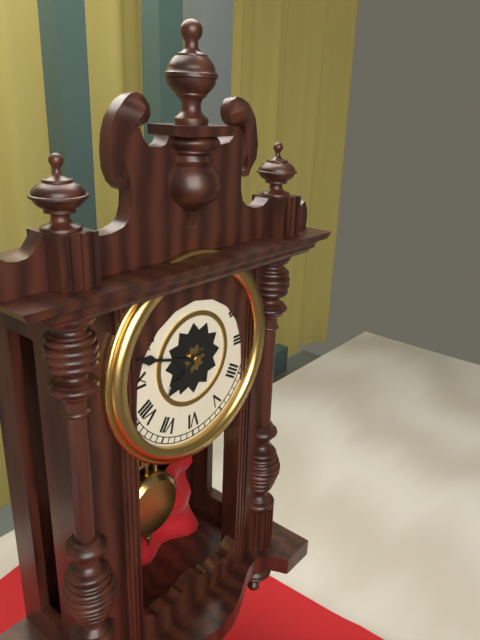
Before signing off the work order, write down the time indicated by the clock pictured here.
7:48
